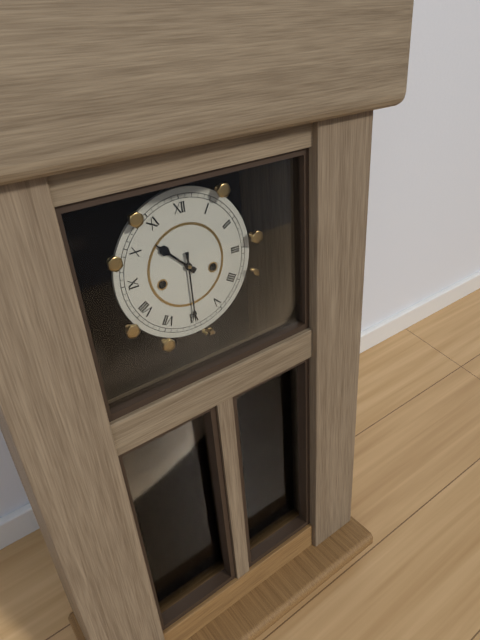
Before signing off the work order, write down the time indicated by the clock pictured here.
10:30
